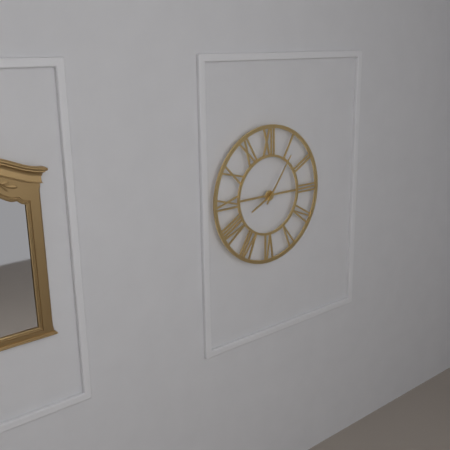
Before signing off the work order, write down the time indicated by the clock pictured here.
8:06
